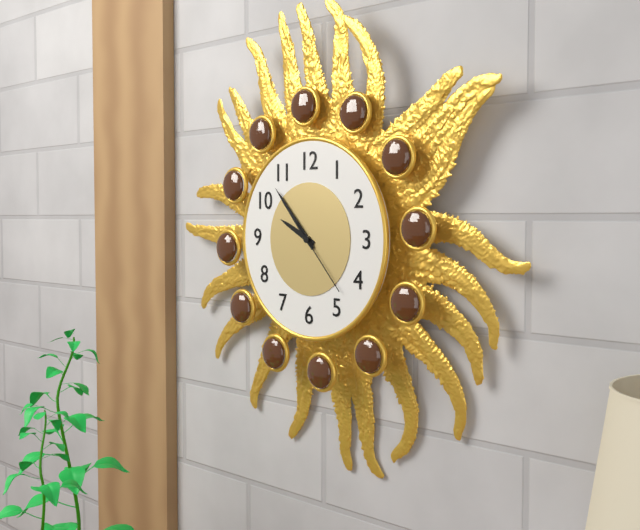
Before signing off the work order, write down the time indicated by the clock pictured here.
9:53:23
